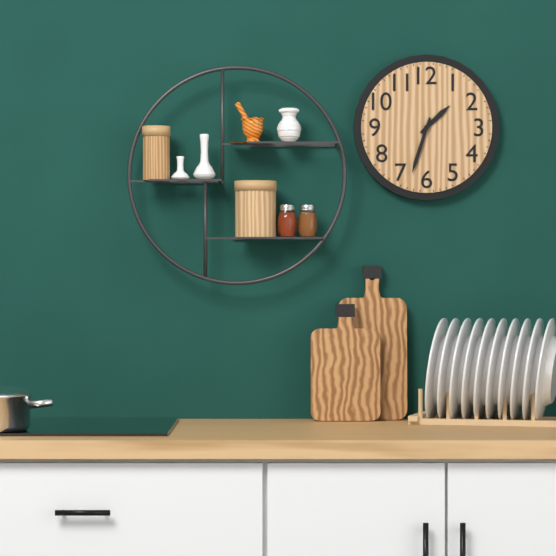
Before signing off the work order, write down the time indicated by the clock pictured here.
1:33
